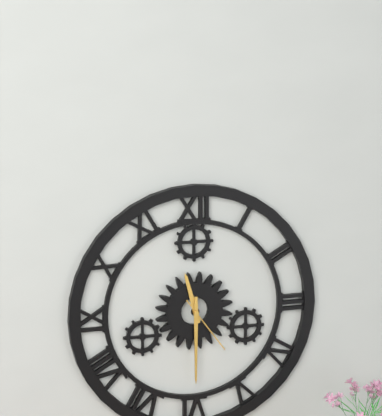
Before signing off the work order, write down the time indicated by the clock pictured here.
11:30:24
